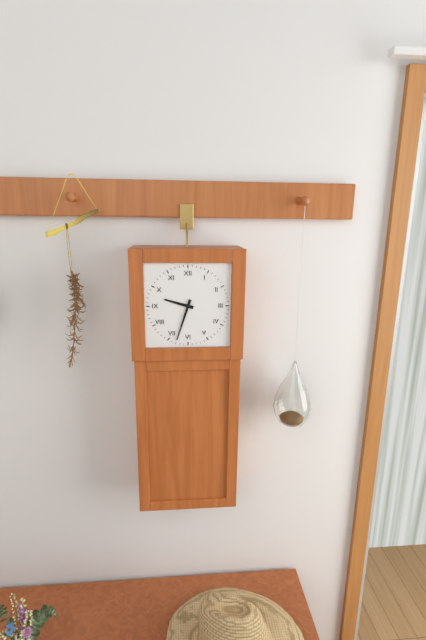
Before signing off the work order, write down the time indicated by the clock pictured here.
9:33
